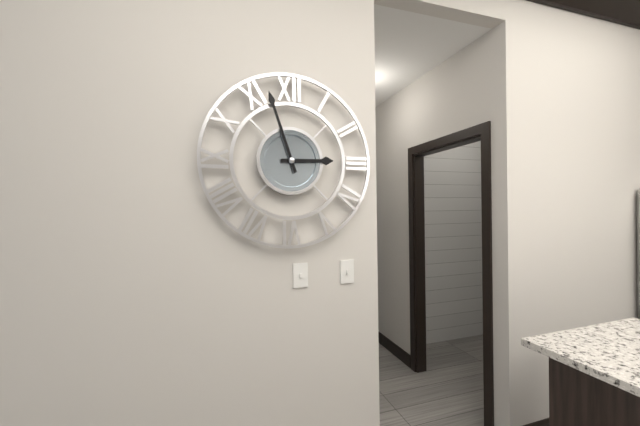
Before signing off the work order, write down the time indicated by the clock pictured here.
2:57
